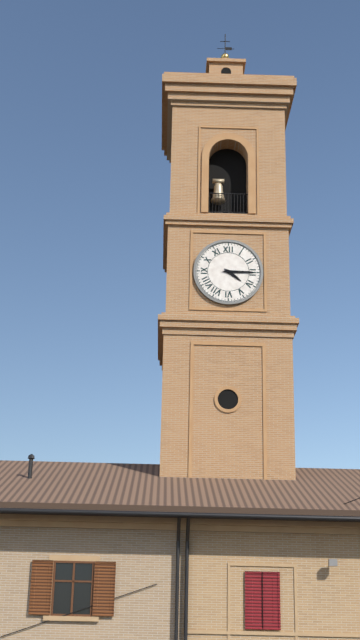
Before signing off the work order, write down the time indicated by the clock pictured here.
4:15
